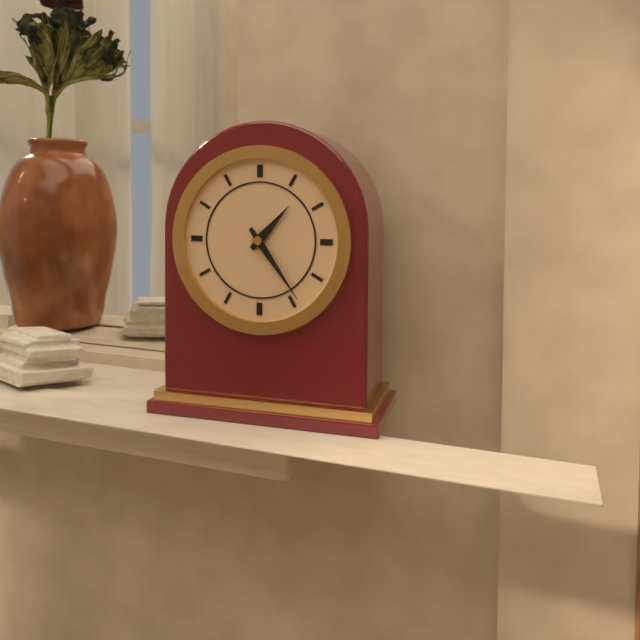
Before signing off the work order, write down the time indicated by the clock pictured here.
1:24
